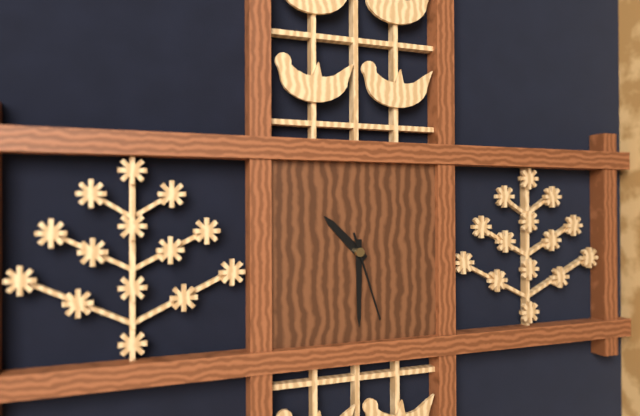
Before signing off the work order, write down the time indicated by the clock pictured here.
10:30:27
